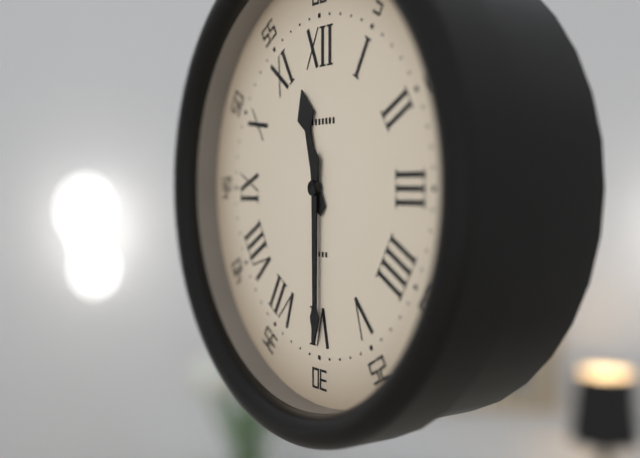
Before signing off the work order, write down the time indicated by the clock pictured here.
11:30
